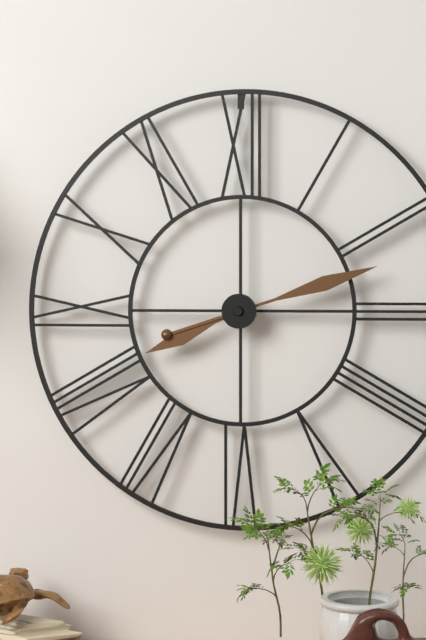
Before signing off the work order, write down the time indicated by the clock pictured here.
8:12
